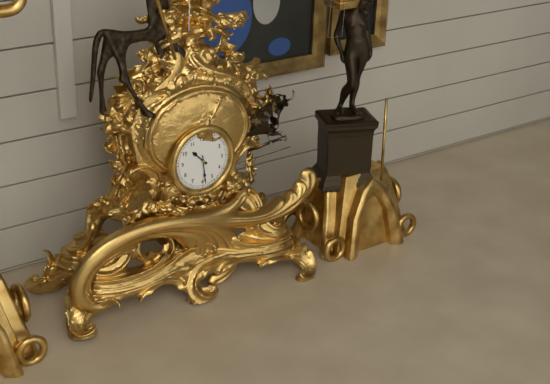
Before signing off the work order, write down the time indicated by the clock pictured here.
10:29
